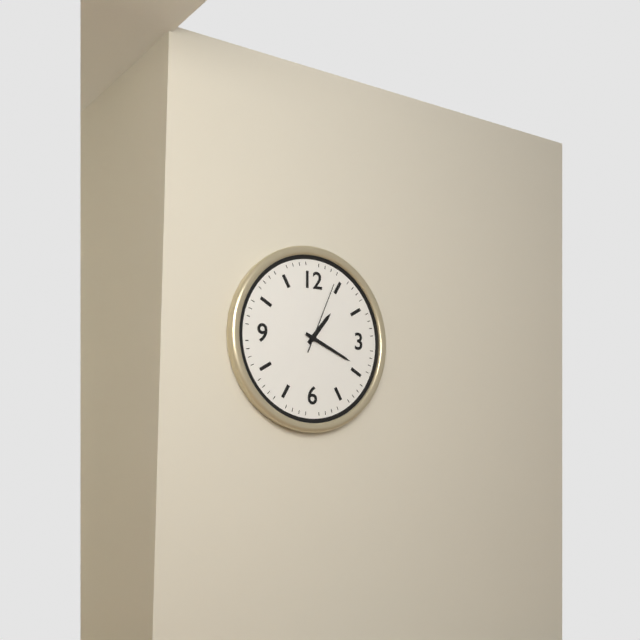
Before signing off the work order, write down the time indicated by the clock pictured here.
1:19:04
